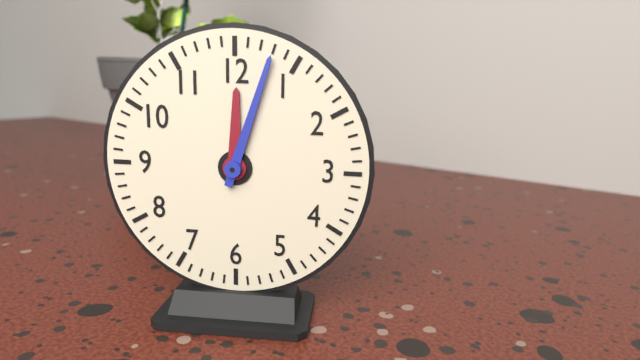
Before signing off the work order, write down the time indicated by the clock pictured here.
12:03
